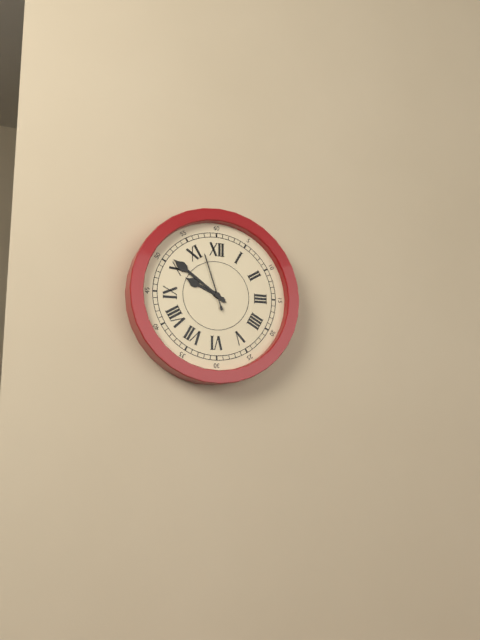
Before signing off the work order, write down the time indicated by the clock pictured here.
9:51:57
